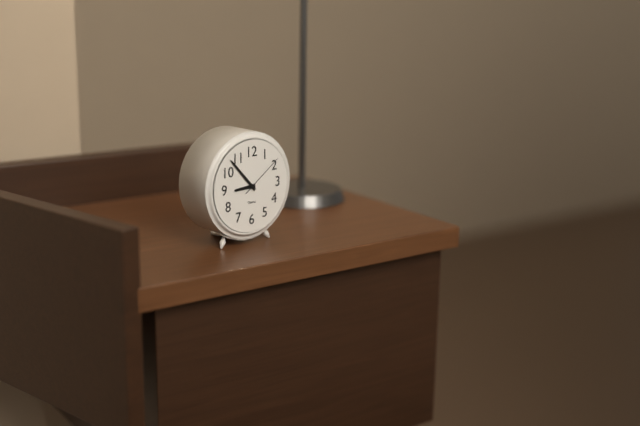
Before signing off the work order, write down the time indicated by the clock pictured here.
8:53
